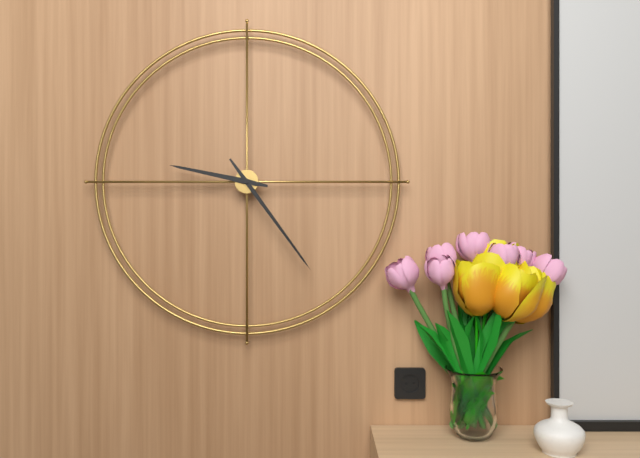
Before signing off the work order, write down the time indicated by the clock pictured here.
9:24
